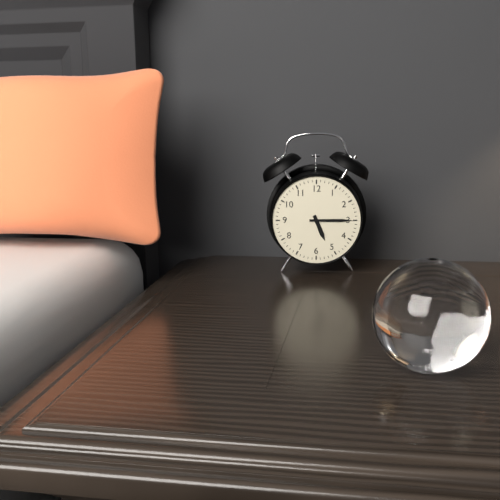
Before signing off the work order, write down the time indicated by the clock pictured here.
5:15
